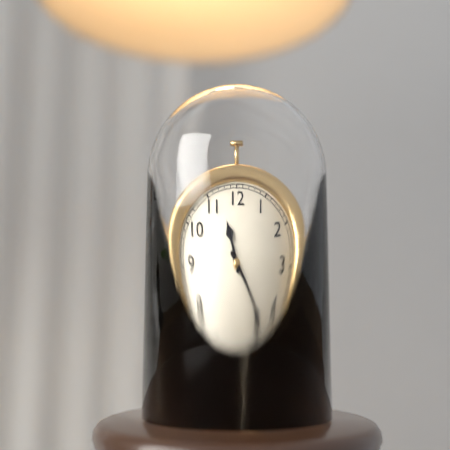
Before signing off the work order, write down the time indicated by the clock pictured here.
11:24
